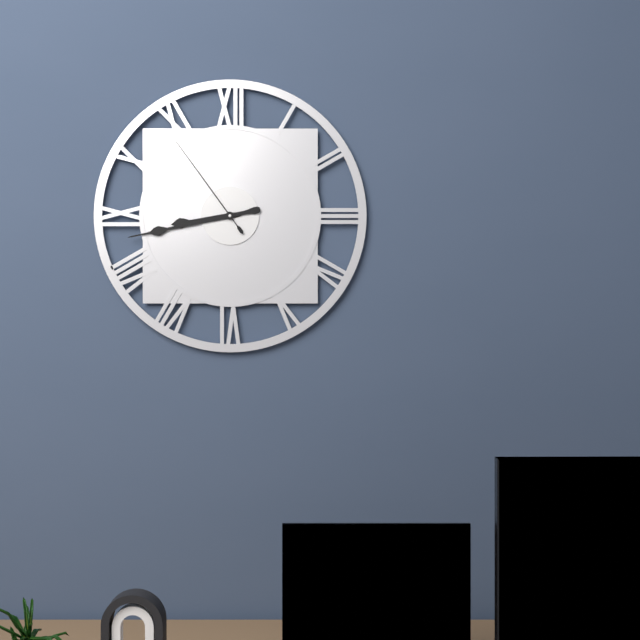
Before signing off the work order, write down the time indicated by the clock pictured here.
8:43:54
